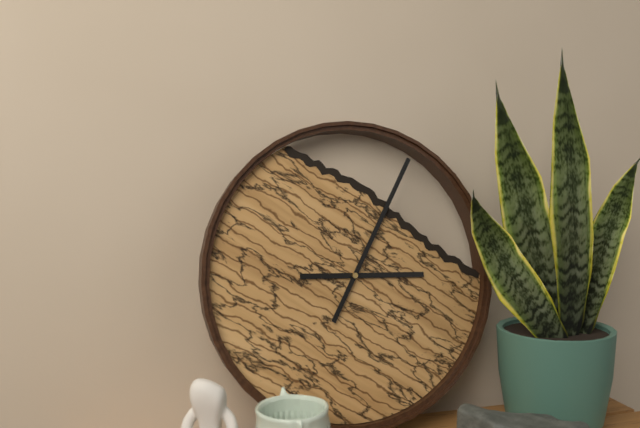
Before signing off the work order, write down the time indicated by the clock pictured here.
3:05
